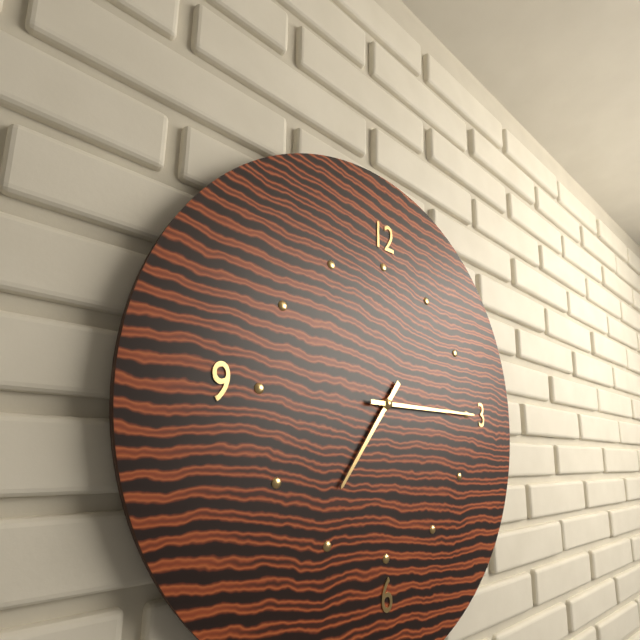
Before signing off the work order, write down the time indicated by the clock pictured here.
7:15
